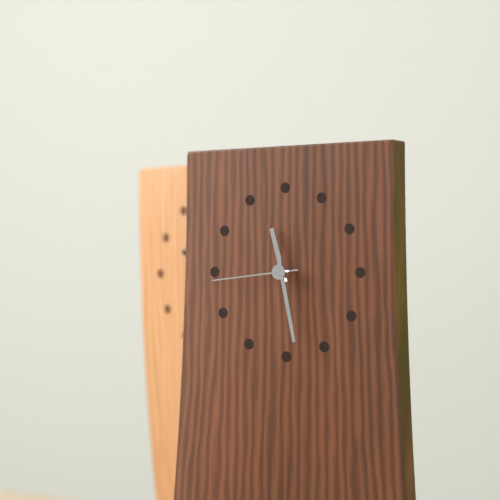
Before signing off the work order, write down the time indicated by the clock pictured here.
11:28:44
